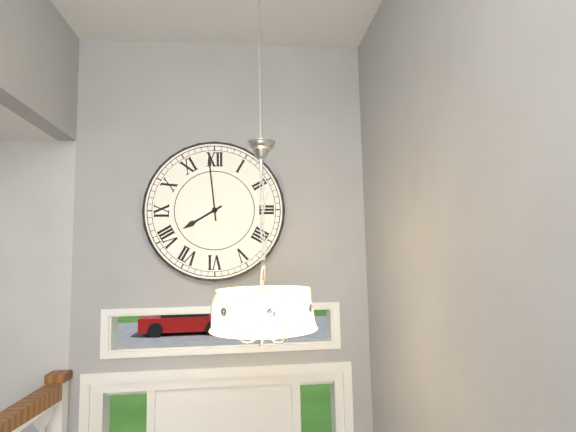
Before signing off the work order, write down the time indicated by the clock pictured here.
7:59
